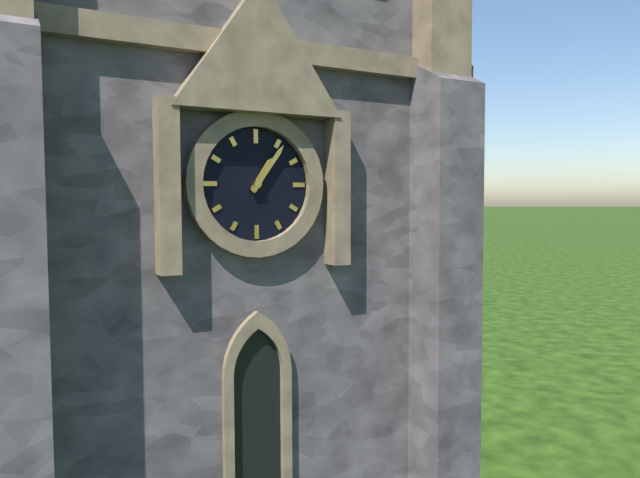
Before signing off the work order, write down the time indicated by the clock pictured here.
1:06
